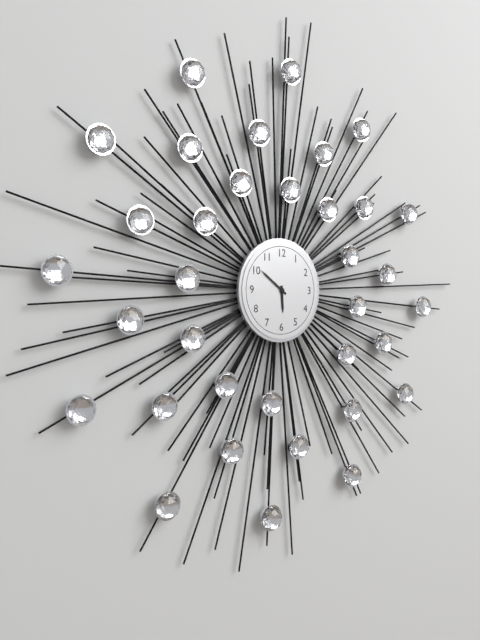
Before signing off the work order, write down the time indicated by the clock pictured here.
5:51
